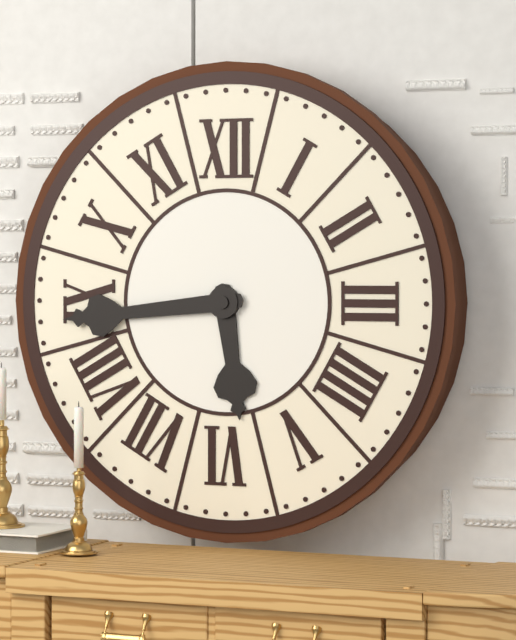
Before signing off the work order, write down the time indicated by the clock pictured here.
5:44
